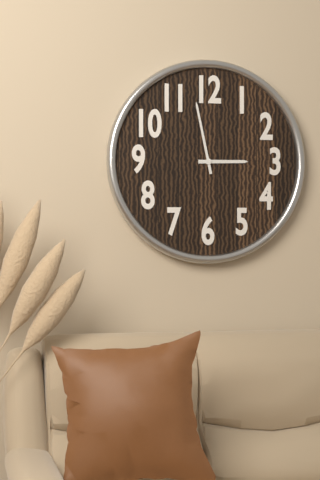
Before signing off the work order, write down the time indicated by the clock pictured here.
2:58
